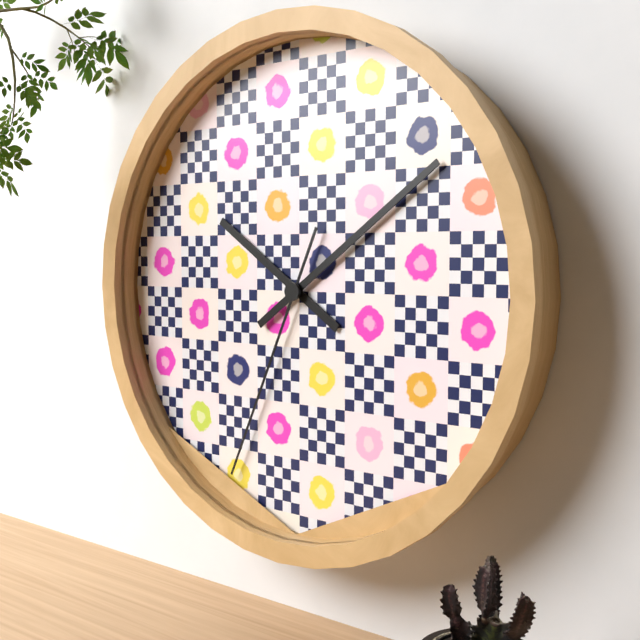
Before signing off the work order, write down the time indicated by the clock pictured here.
10:09:34
